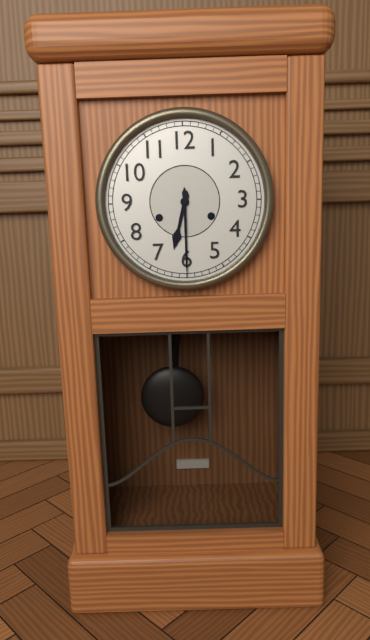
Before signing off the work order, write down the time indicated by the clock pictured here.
6:30
